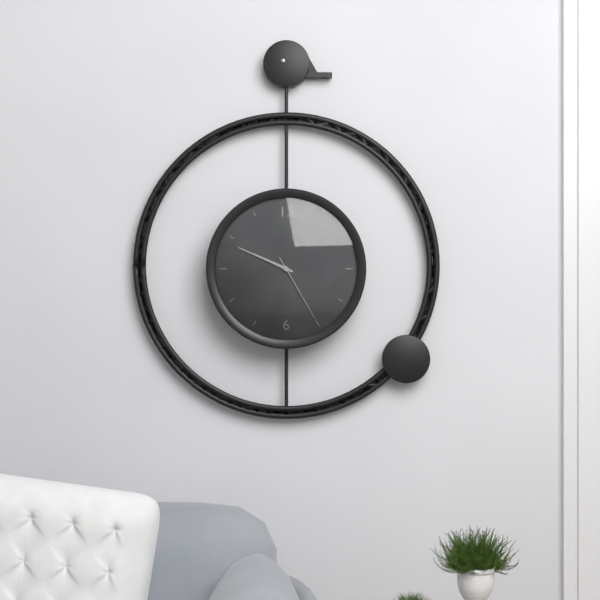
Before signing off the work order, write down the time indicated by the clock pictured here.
9:49:25
